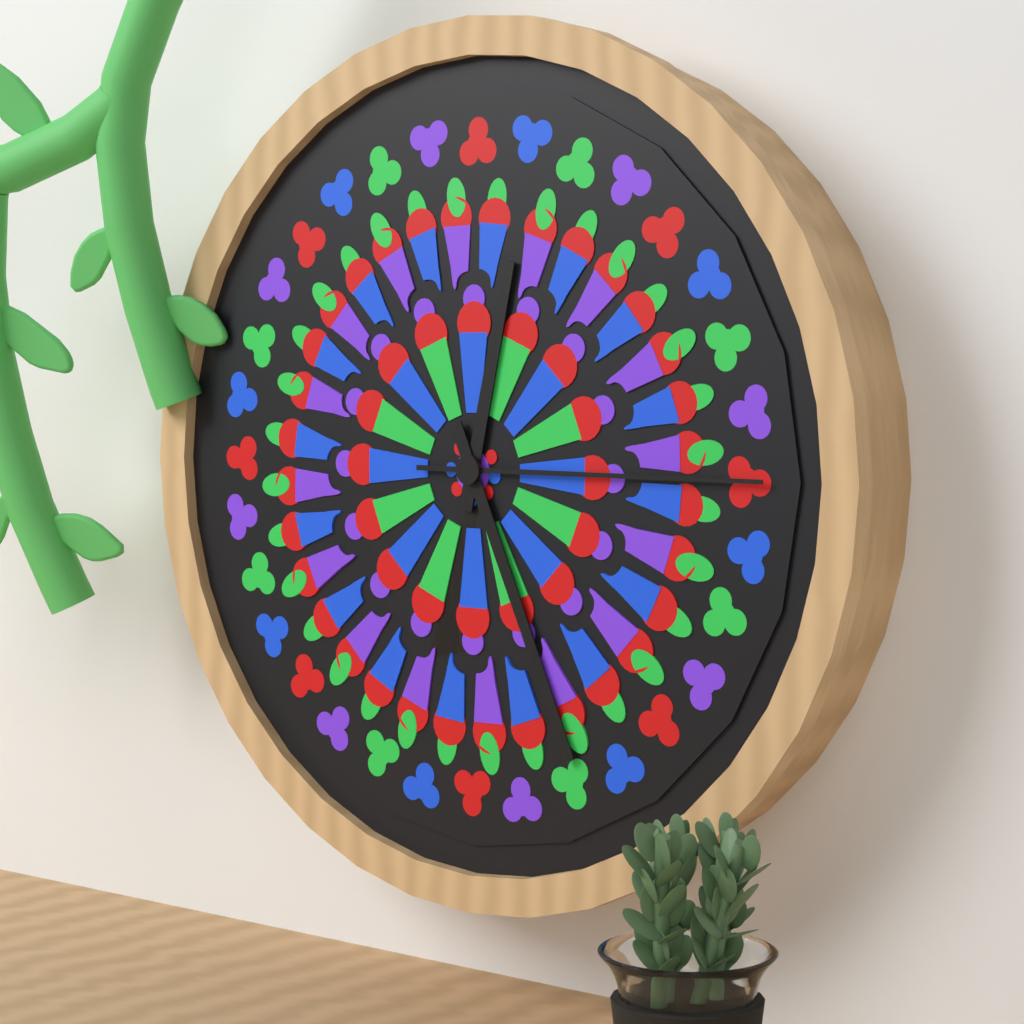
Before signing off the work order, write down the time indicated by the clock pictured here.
12:26:15
